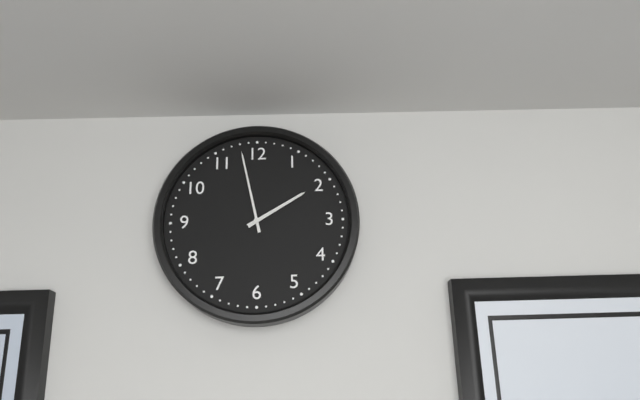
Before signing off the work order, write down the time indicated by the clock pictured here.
1:58
